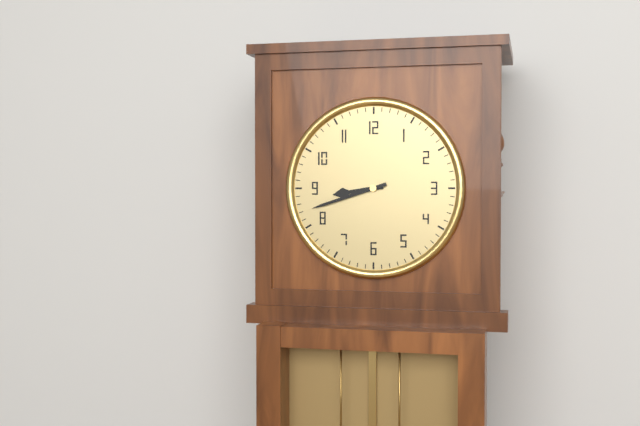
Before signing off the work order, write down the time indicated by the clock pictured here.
8:42
